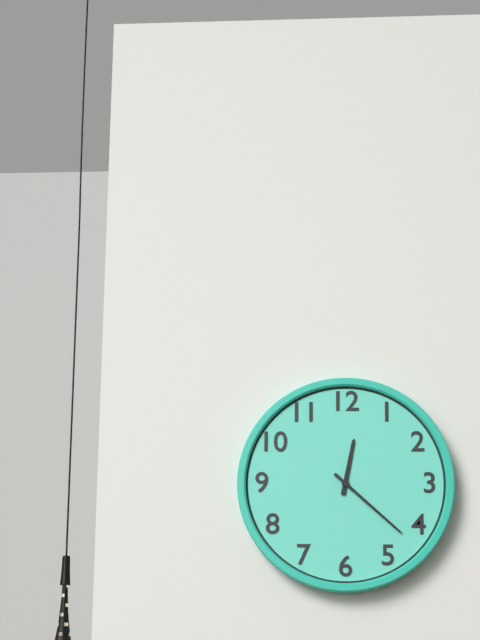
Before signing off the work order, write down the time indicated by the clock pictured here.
12:22
